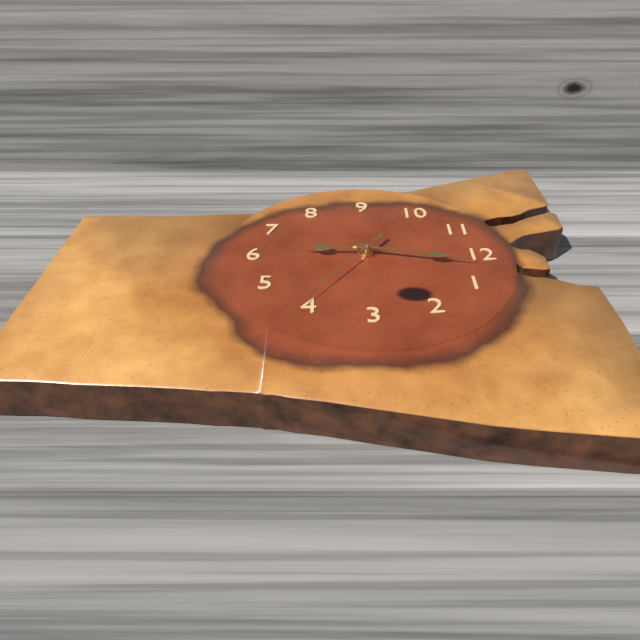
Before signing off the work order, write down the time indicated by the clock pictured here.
6:02:21
